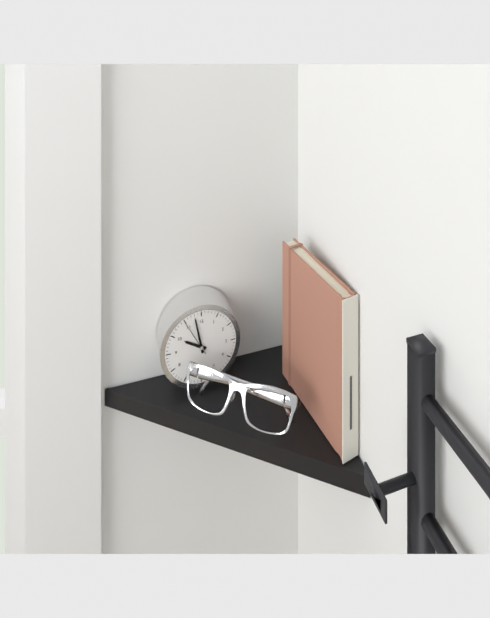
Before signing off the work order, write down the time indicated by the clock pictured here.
9:58
